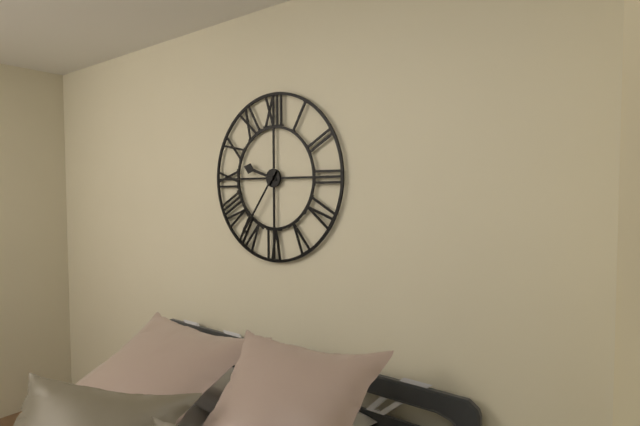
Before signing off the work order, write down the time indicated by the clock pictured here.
9:36
